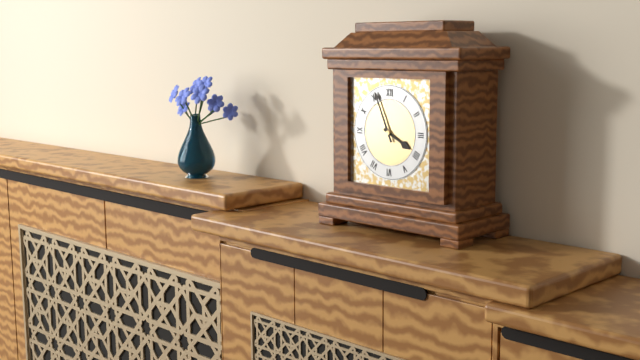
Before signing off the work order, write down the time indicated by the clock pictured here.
3:56
